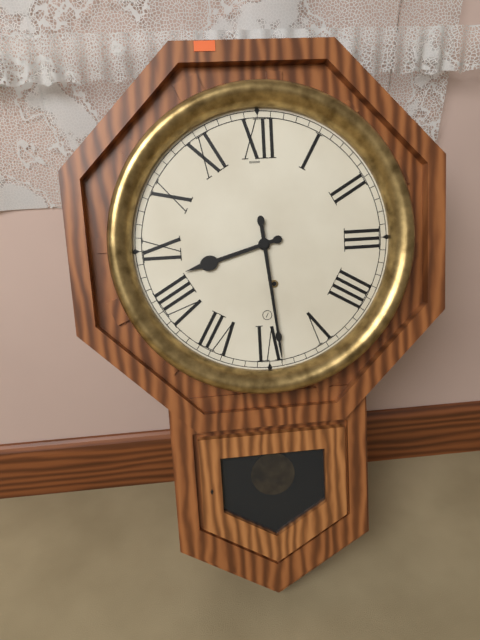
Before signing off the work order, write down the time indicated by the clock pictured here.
8:29
